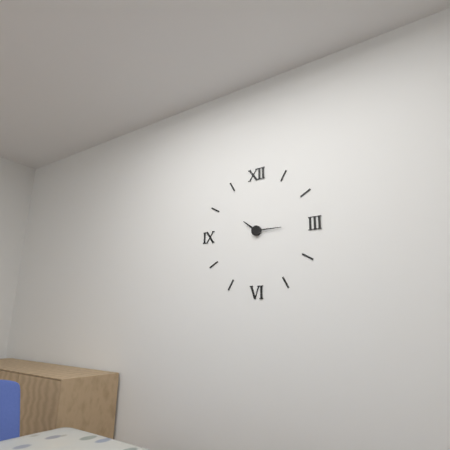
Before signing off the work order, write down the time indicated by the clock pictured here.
10:15
